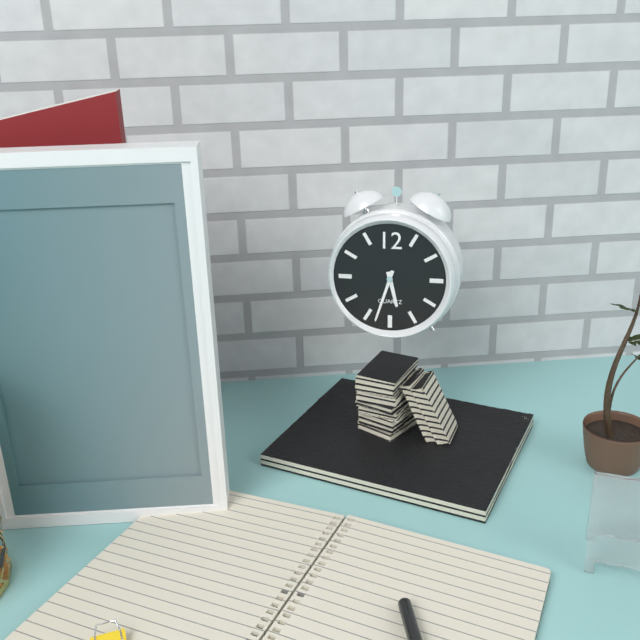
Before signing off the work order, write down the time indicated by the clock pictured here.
5:33
